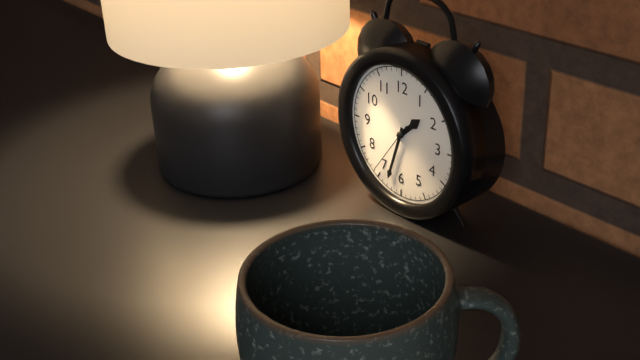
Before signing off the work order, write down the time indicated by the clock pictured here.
1:33:36
